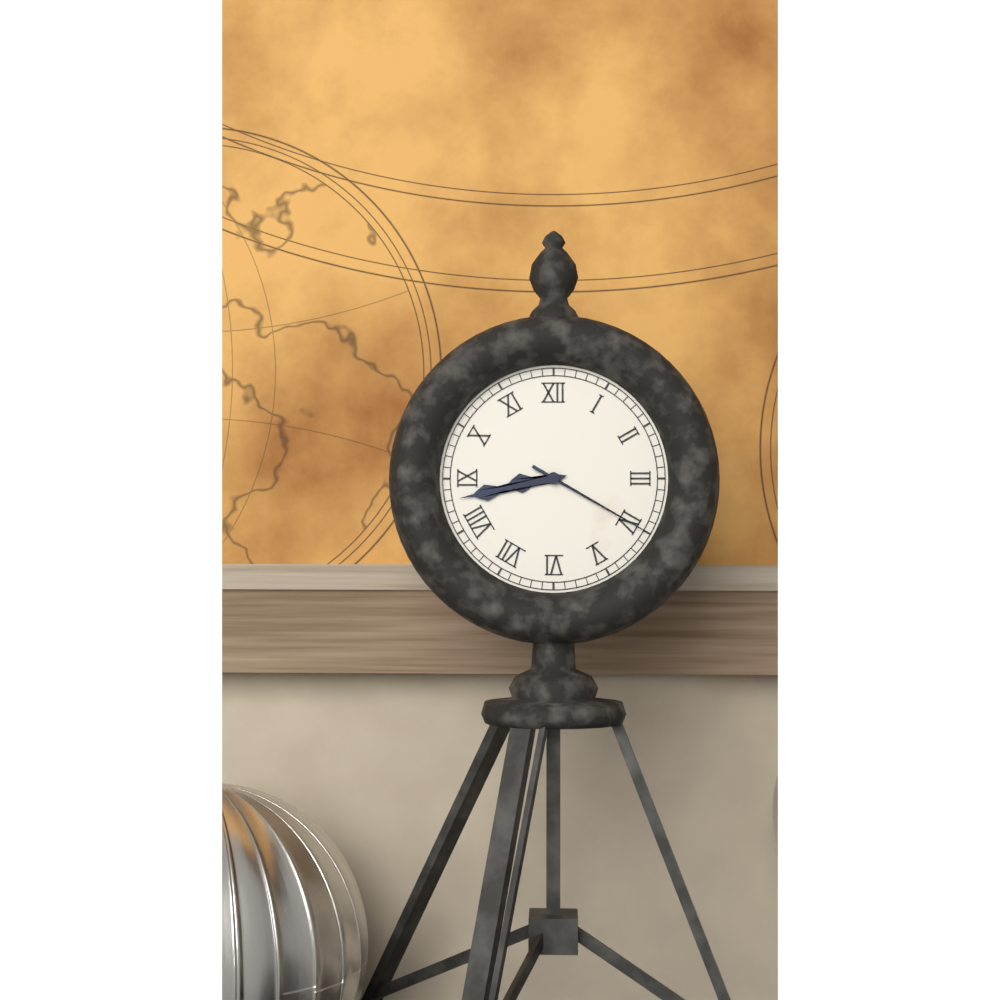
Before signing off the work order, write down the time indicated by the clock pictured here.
8:43:20
